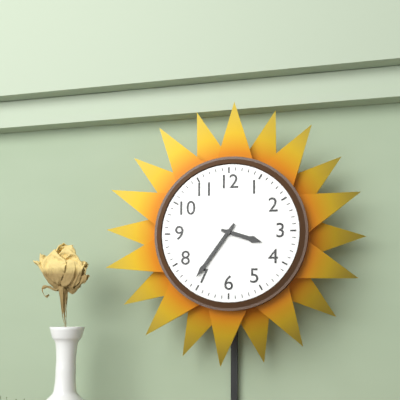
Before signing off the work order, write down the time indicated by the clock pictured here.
3:36
